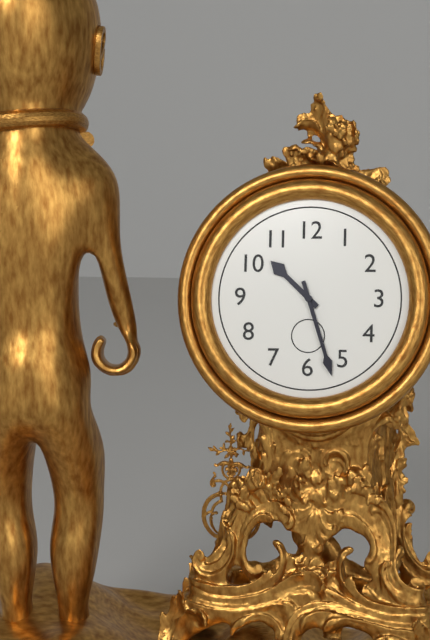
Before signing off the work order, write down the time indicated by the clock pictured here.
10:27
